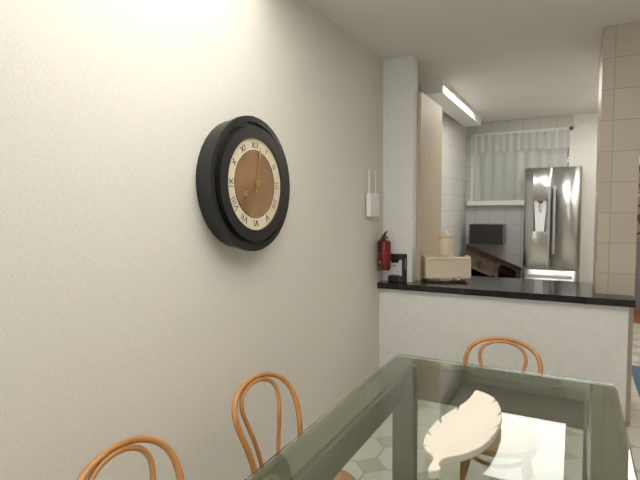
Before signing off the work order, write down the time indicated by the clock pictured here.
8:02
